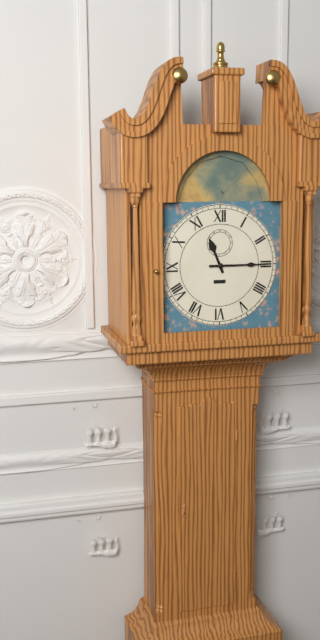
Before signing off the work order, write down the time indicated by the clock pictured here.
11:15
